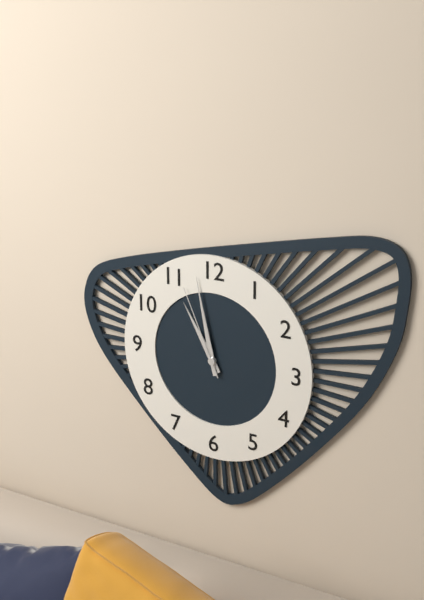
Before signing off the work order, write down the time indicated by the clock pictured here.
10:58:56
